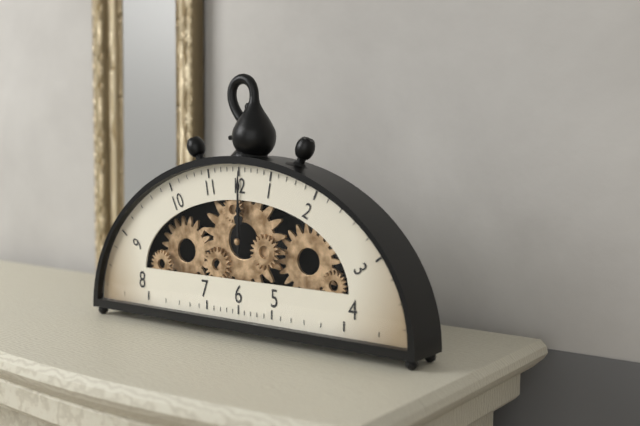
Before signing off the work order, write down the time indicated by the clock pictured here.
12:00
